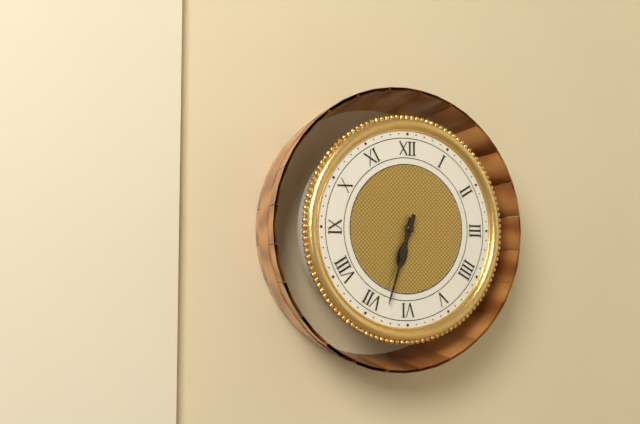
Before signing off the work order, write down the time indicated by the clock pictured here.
6:33
